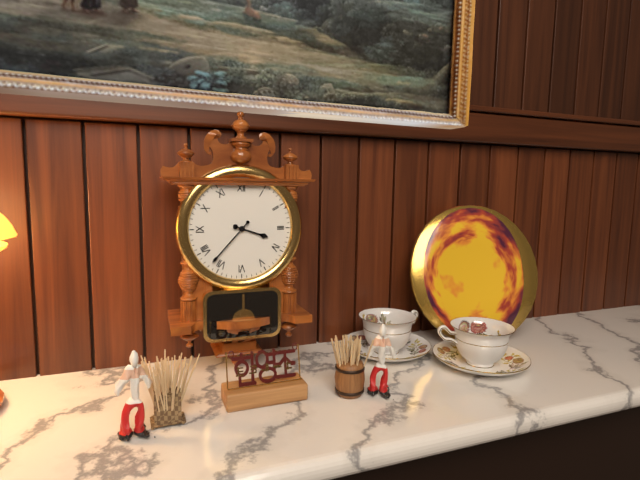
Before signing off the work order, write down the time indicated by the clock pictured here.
3:37
